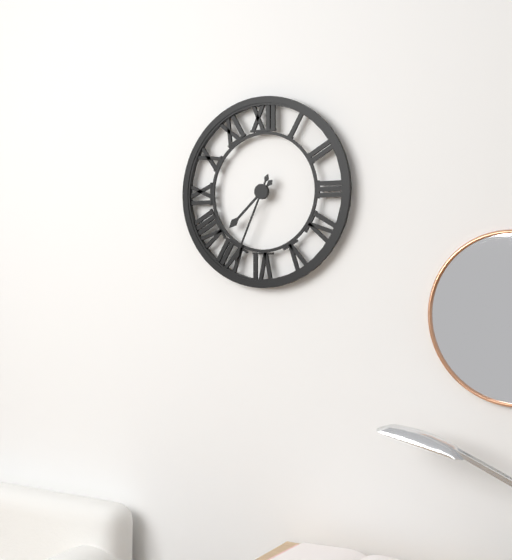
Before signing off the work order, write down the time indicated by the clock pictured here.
7:34
